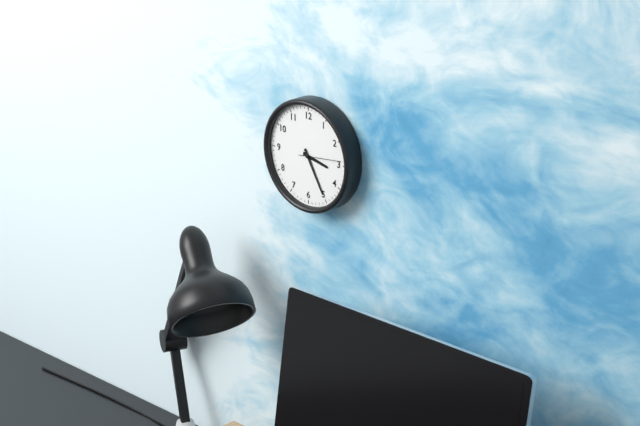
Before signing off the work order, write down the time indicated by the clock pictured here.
3:25
